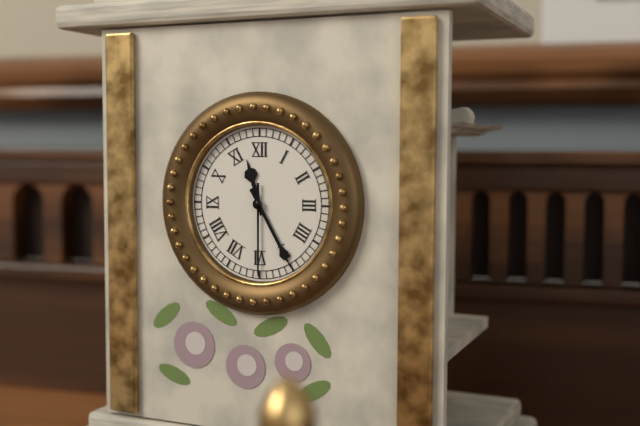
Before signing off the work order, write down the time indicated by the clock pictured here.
11:25:30
